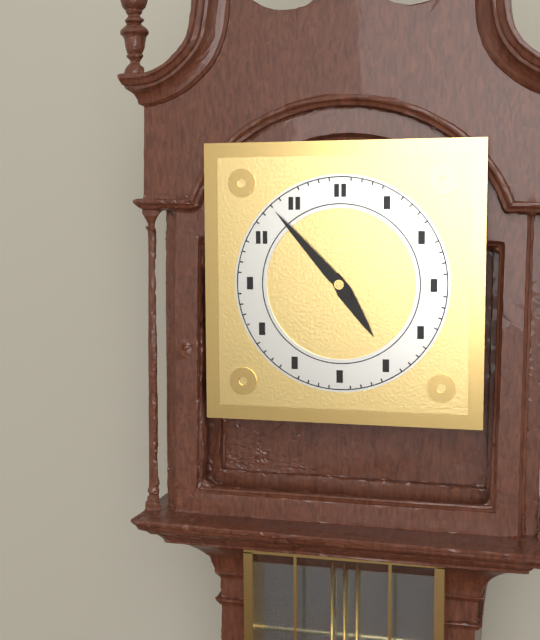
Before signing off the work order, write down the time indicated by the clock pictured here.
4:53
